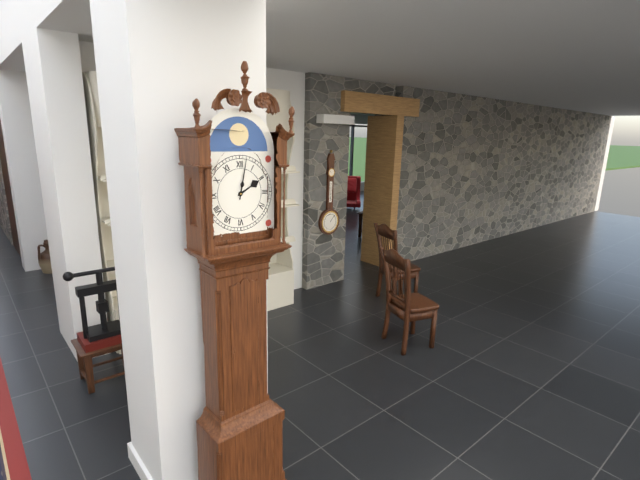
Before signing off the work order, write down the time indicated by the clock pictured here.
2:02
